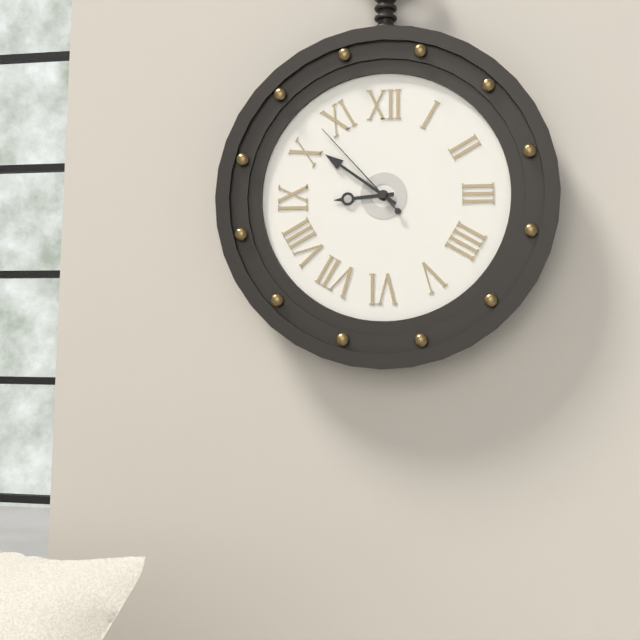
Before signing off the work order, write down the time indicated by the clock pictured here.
8:51:53
